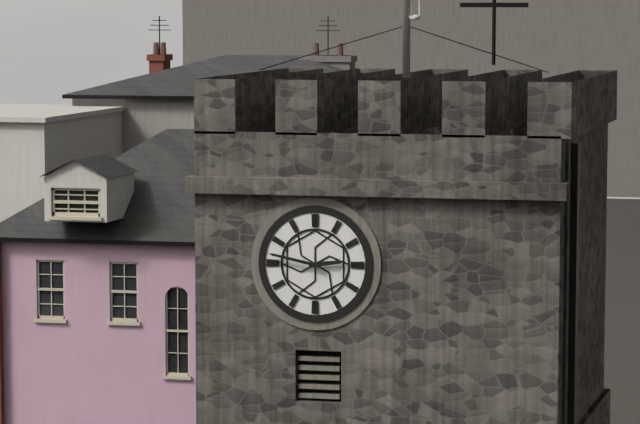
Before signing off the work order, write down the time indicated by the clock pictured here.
2:47
